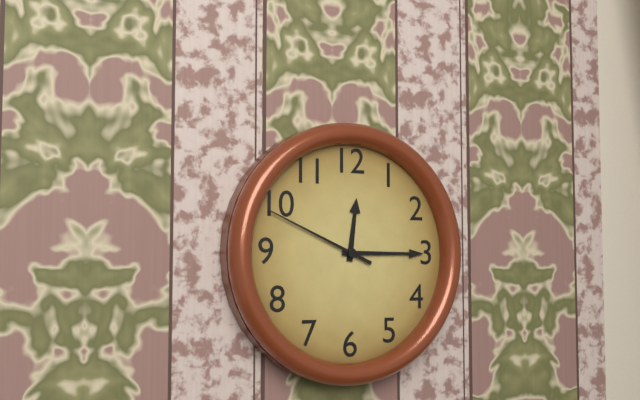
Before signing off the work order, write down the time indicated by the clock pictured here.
12:15:49
